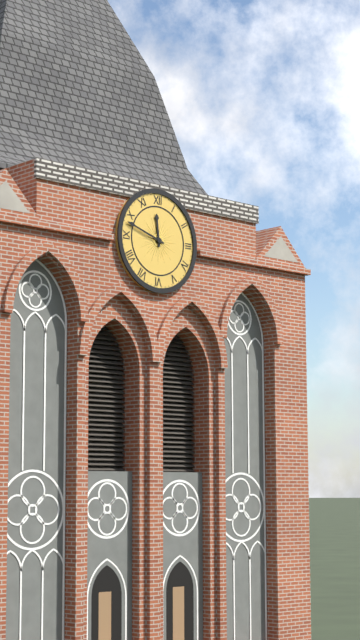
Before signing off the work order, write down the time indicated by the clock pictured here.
11:48
